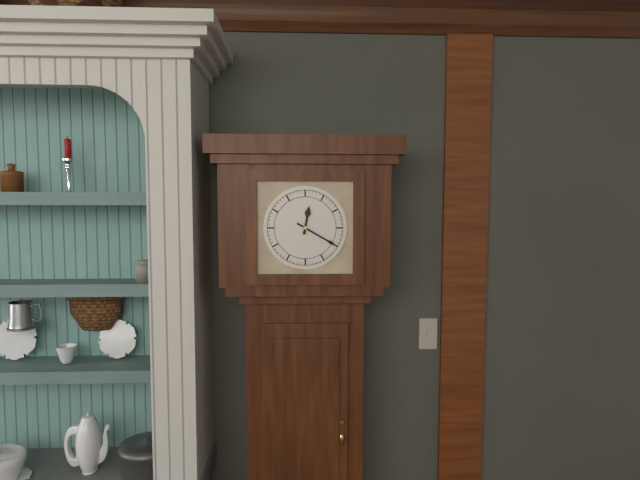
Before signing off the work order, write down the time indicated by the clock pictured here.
12:20
